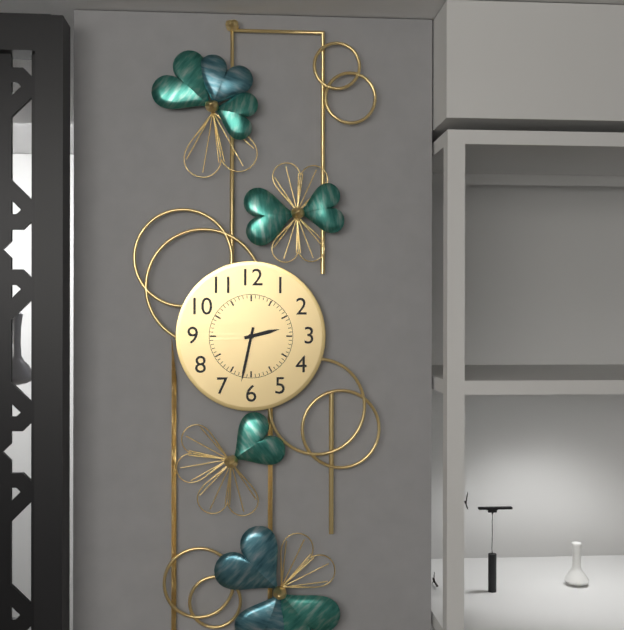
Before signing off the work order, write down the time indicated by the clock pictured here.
2:32
